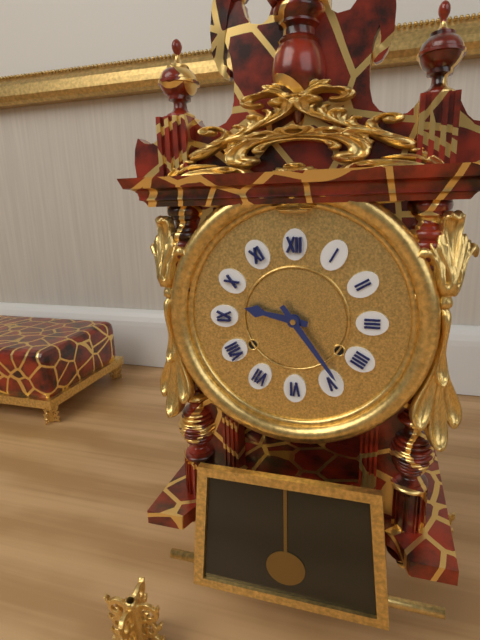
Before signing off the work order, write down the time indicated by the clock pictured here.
9:24
